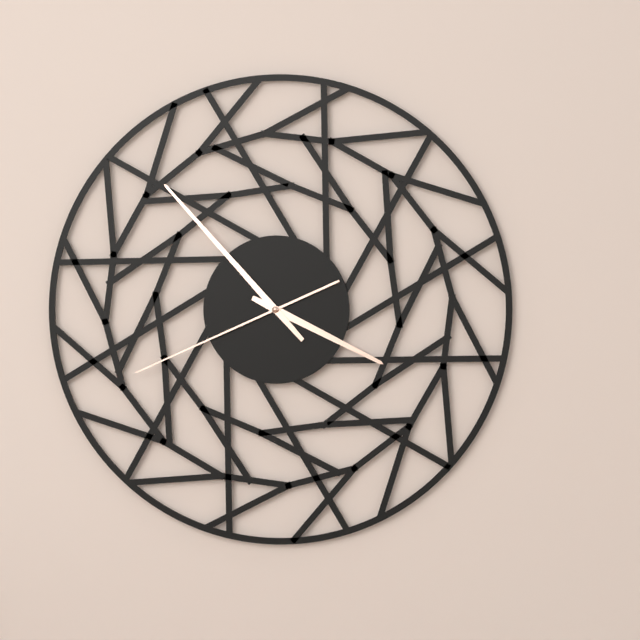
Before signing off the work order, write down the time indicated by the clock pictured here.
3:53:41
